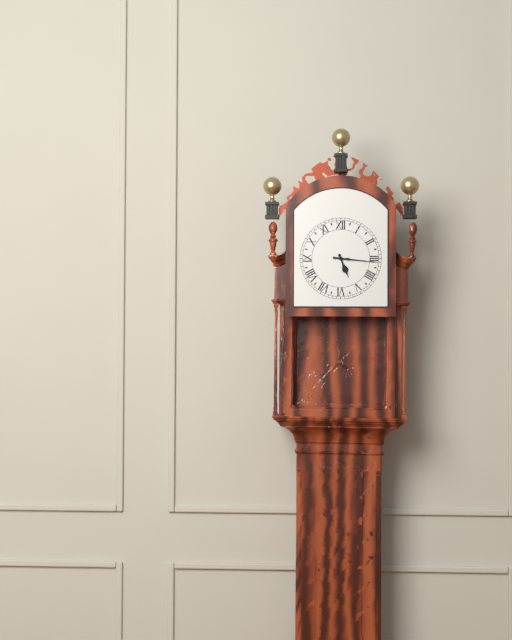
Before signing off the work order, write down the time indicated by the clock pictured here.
5:16
